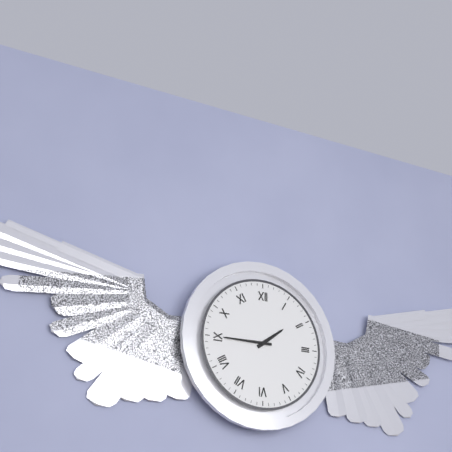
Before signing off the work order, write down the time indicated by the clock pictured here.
1:45
